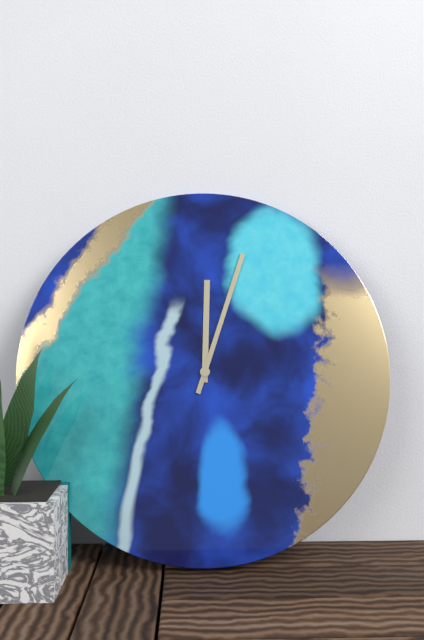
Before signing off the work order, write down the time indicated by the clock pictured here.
12:03
